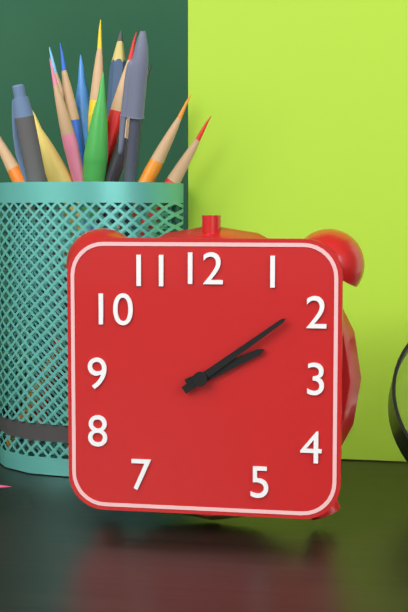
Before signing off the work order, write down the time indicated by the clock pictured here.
2:09
